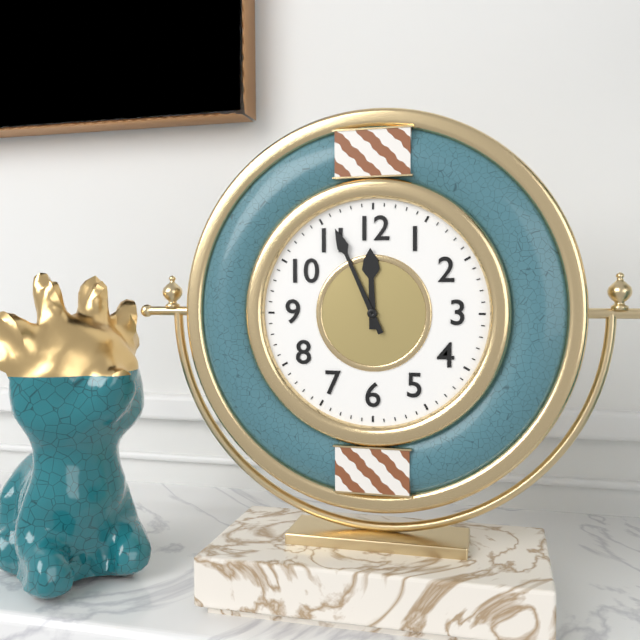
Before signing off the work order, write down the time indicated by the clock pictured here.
11:56
